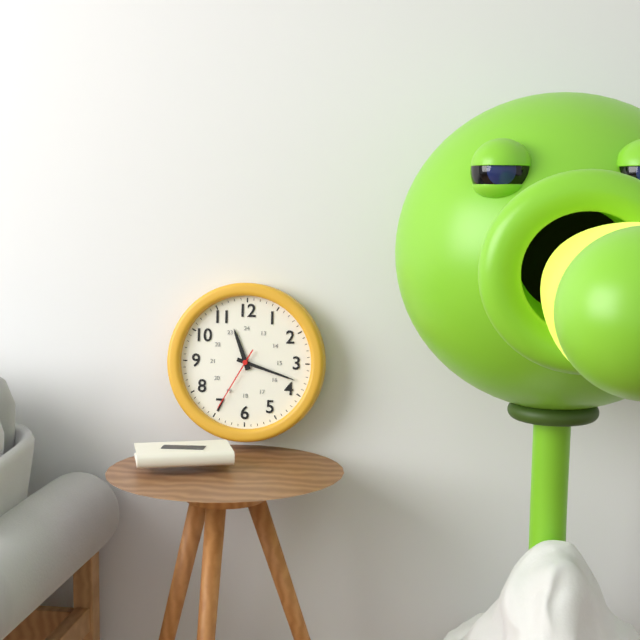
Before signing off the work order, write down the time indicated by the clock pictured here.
11:18:35
